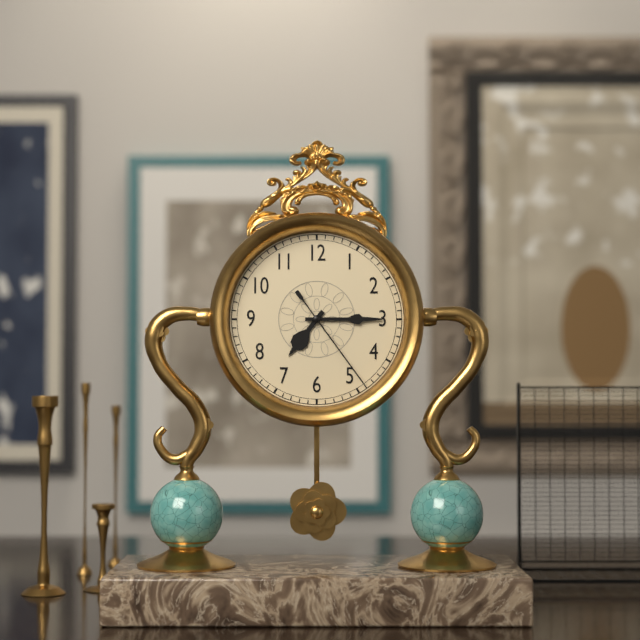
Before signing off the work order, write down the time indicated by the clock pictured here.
7:15:24
